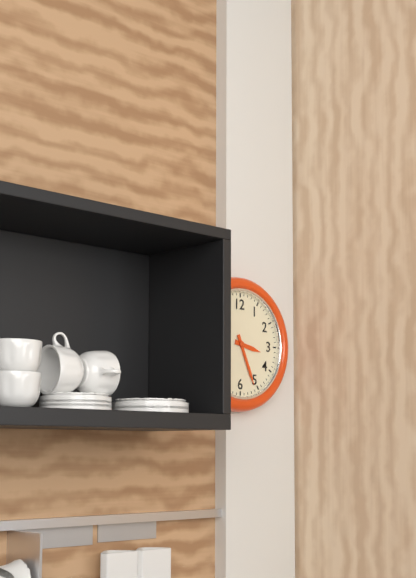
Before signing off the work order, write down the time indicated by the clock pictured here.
3:26
